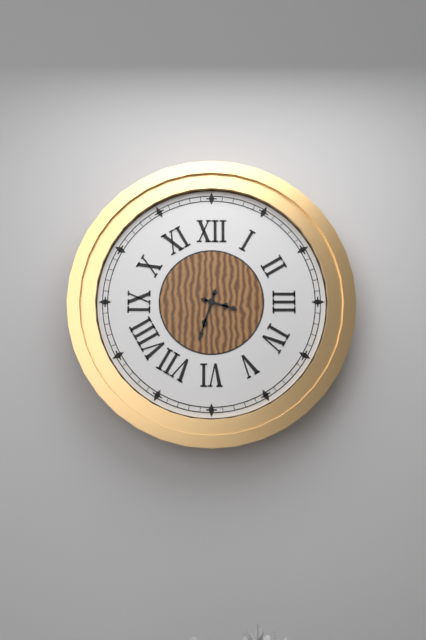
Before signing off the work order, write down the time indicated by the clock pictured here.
3:33
